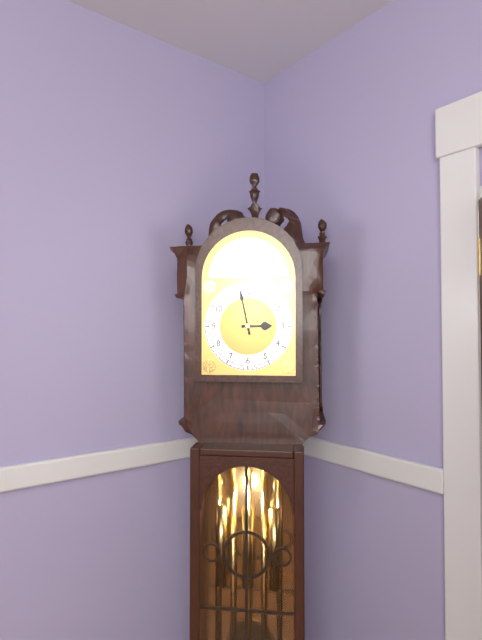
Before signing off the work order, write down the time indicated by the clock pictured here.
2:58
